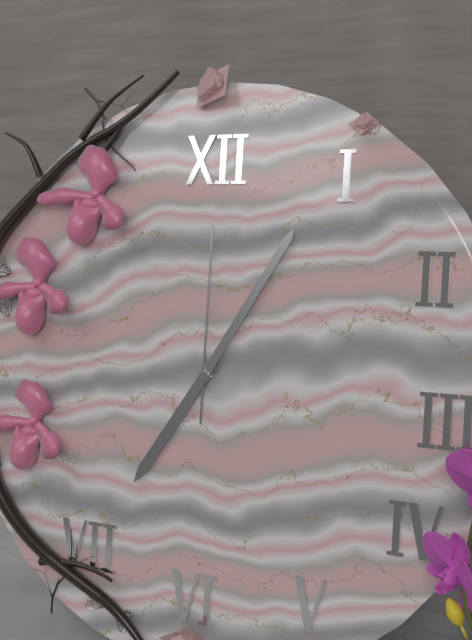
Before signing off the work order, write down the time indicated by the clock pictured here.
7:05:00
